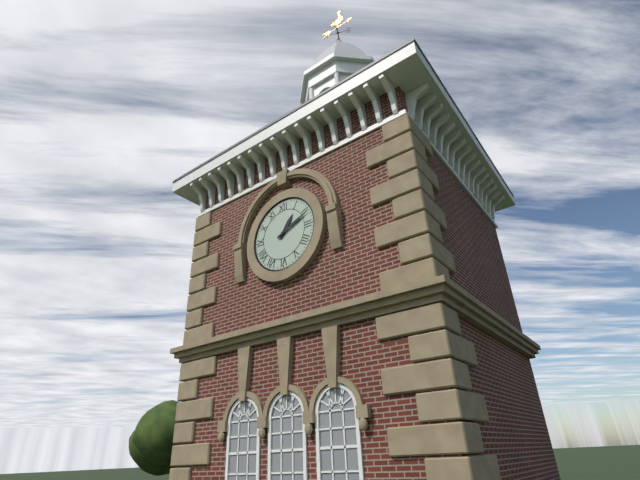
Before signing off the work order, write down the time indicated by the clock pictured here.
1:11
